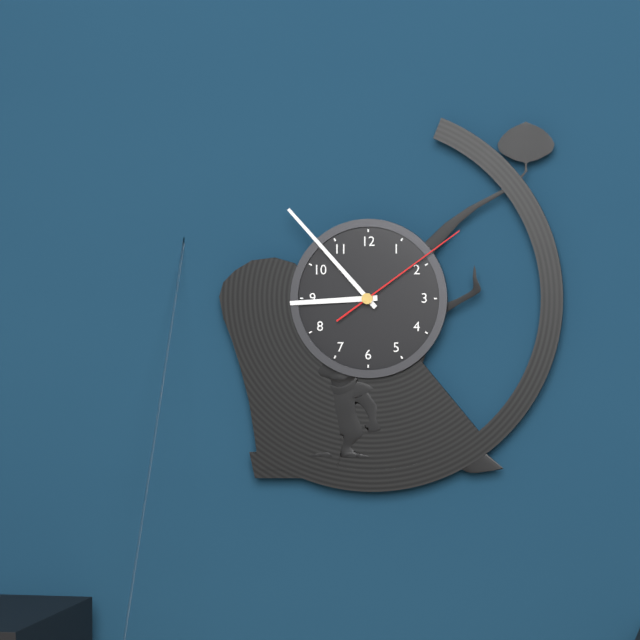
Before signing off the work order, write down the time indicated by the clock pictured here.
8:53:09
